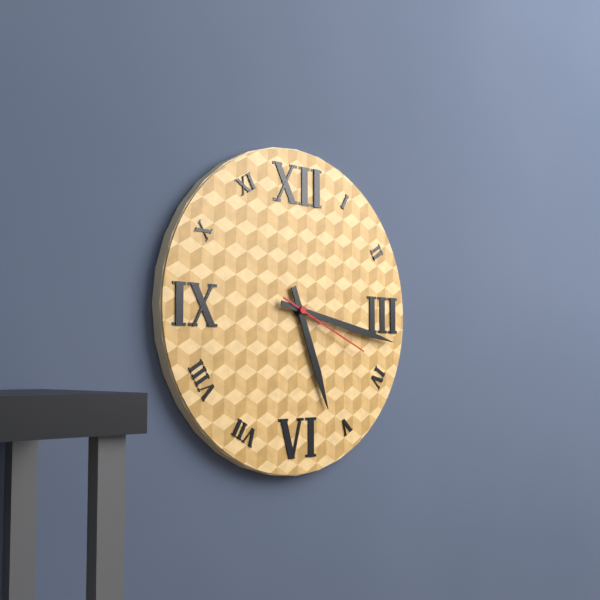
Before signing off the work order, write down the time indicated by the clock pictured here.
5:17:19
